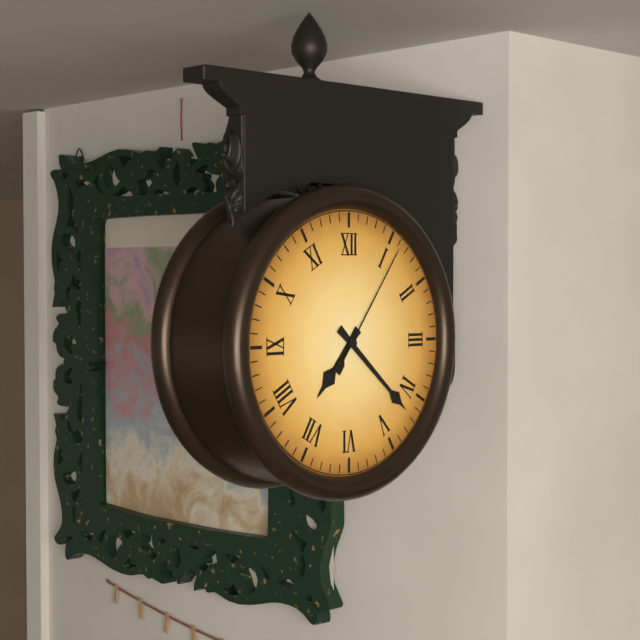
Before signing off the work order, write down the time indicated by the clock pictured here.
7:22:06
